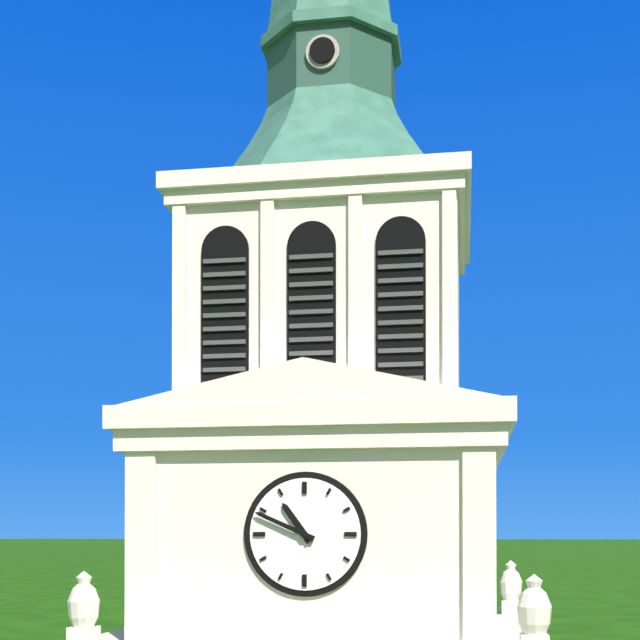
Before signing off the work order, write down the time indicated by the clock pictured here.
10:49
